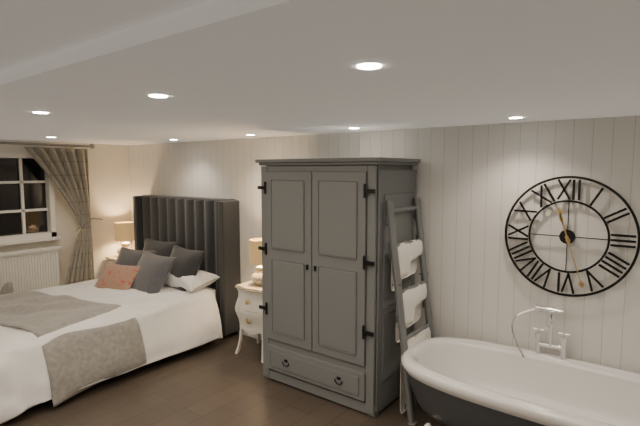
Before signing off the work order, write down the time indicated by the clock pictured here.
11:27
